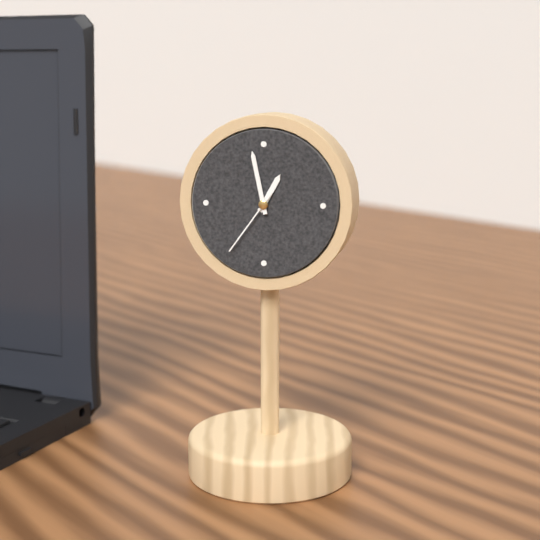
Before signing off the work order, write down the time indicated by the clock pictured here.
12:58:36
